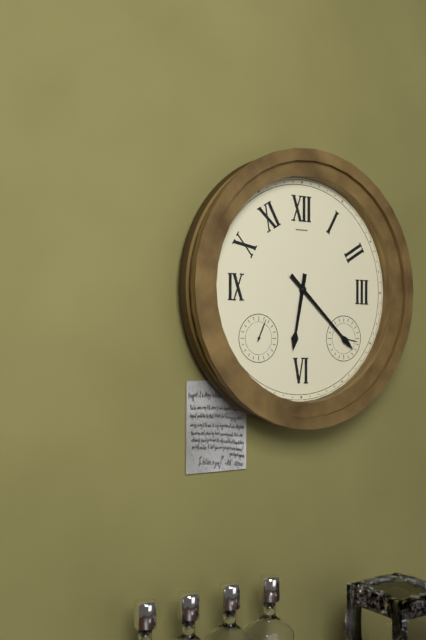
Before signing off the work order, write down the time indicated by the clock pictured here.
6:22
